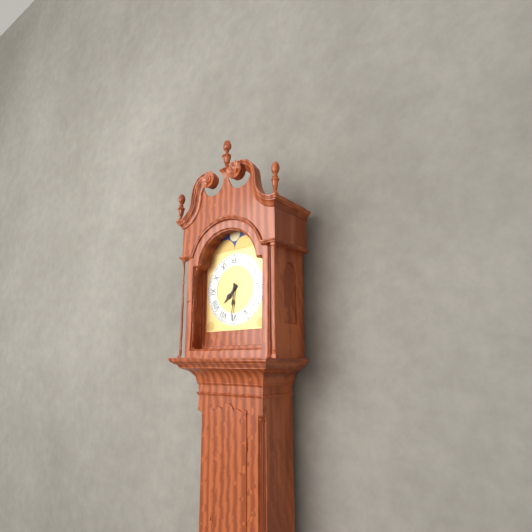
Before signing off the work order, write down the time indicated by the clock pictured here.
7:31
